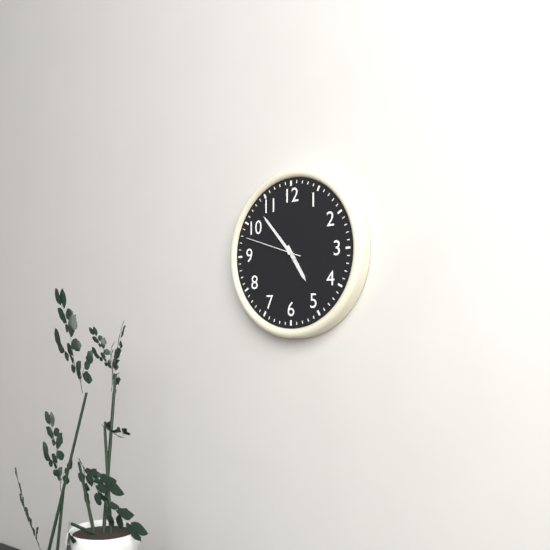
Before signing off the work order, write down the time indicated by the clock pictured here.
4:53:48
